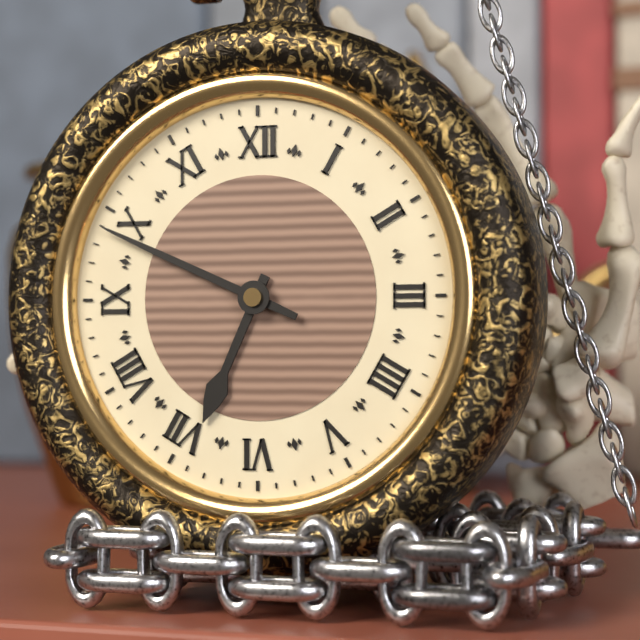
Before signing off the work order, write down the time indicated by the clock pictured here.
6:49
